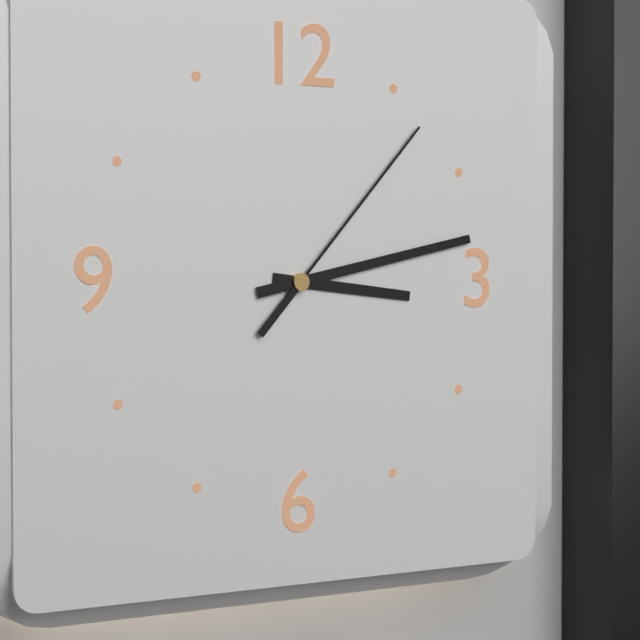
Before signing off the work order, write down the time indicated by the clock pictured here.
3:13:07
